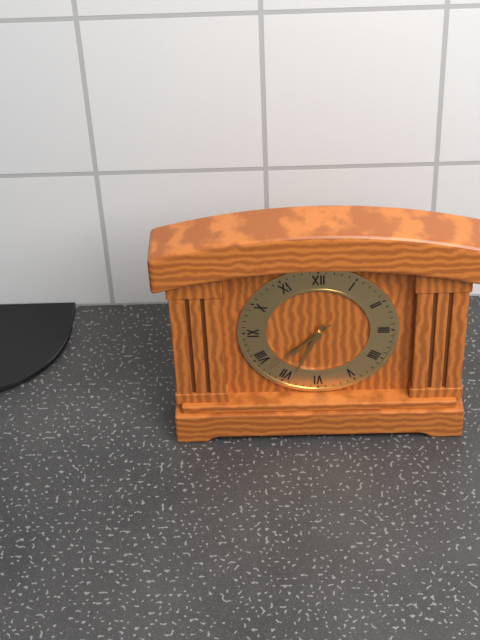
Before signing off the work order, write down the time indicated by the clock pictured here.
7:34:38
